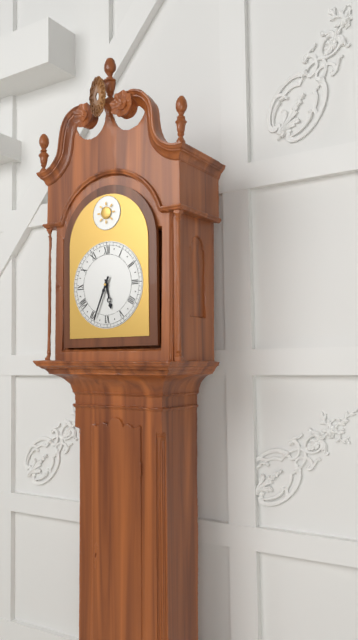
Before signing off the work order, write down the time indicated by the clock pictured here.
5:34
